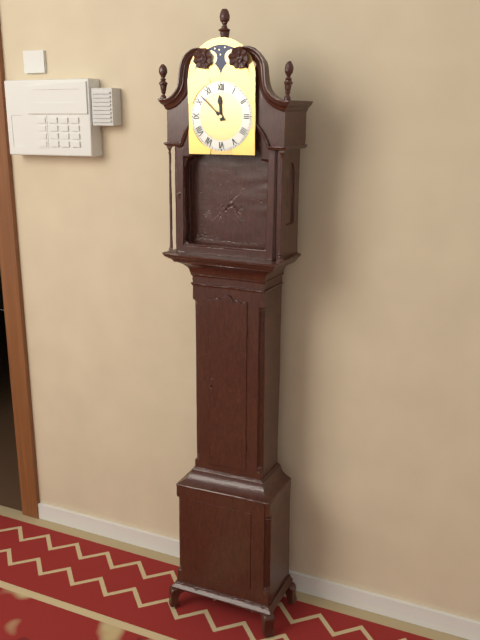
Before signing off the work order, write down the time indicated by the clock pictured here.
11:52
